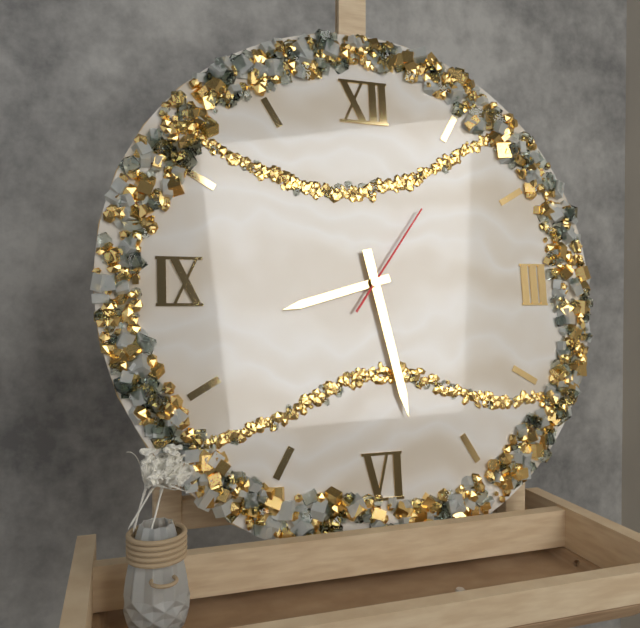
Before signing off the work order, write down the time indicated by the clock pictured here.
8:28:06
